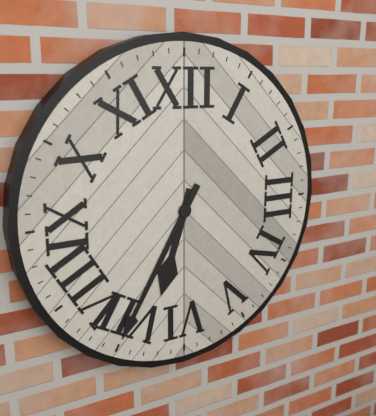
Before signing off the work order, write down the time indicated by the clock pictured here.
6:35
